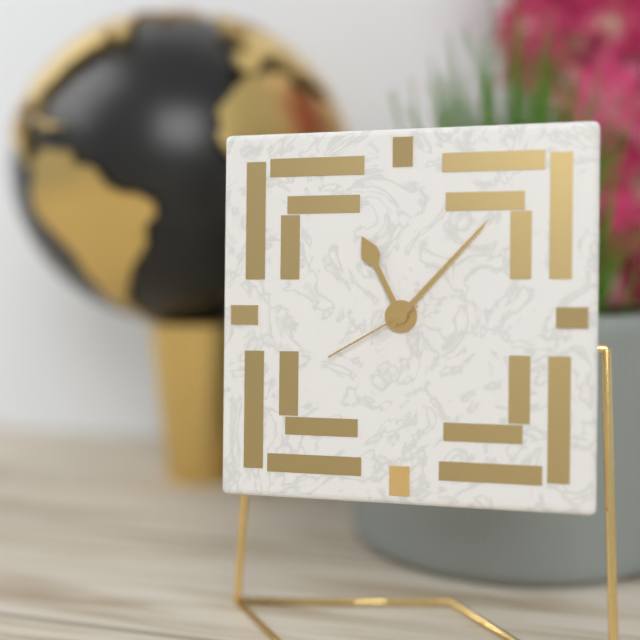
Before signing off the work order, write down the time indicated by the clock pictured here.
11:07:40
